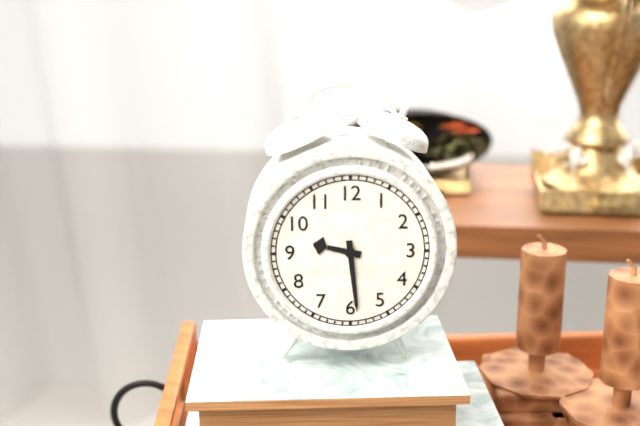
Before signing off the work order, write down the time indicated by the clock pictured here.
9:29
